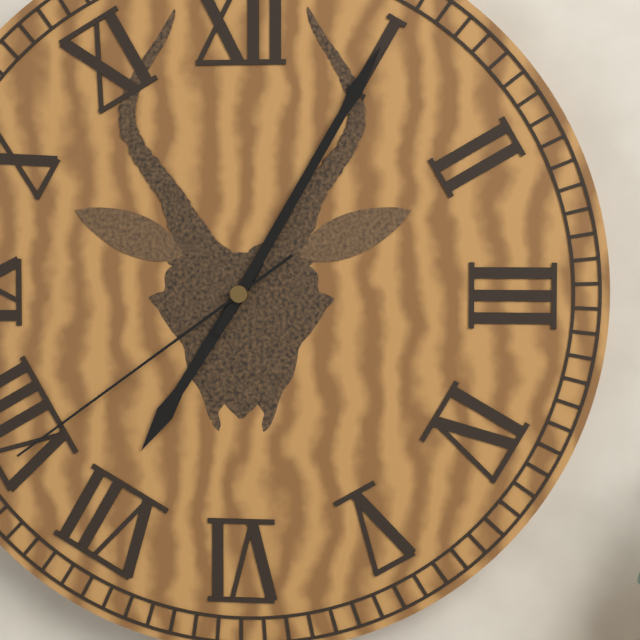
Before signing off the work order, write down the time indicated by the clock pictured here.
7:05:39
